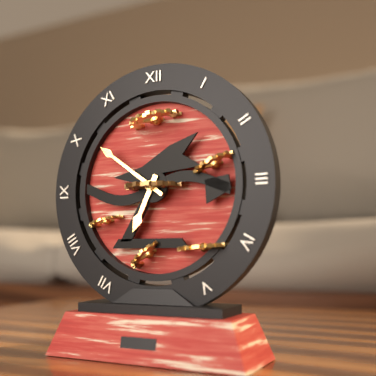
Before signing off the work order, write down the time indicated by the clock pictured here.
6:51
